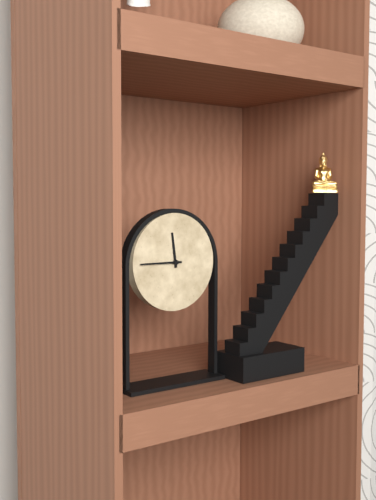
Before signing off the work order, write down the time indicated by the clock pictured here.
11:45
